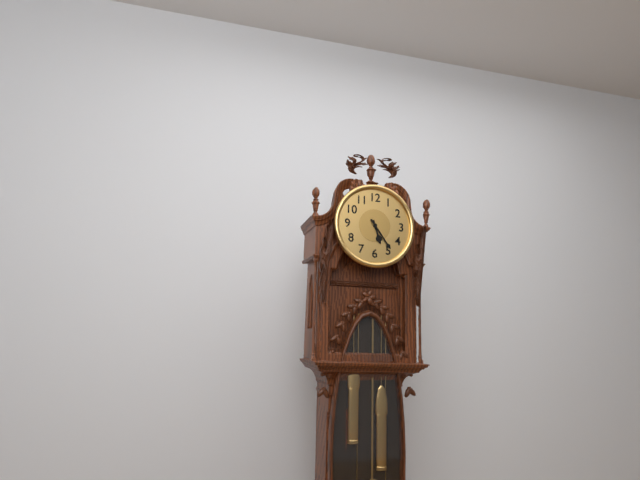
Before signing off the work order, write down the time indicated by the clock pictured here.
5:24
